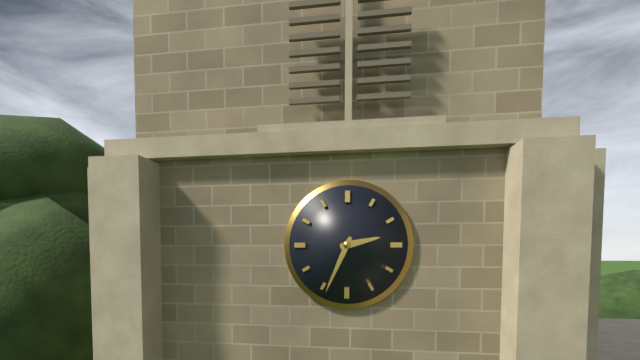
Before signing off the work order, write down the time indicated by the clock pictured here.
2:34
